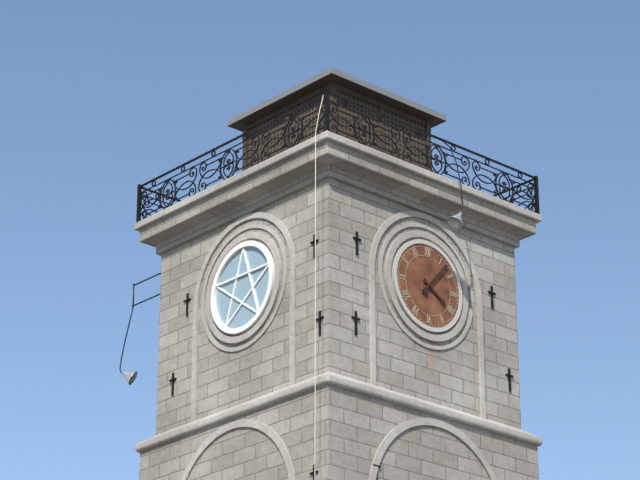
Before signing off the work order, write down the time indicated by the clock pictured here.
4:07
